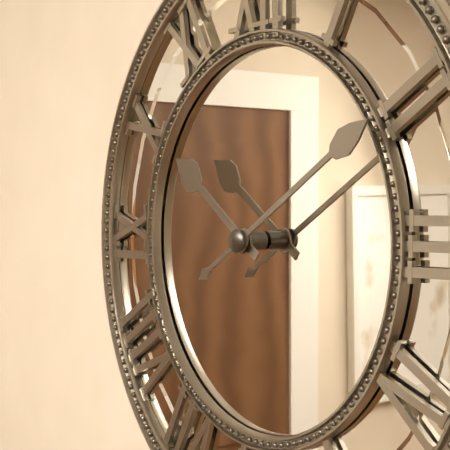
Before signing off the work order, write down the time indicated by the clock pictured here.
10:10
